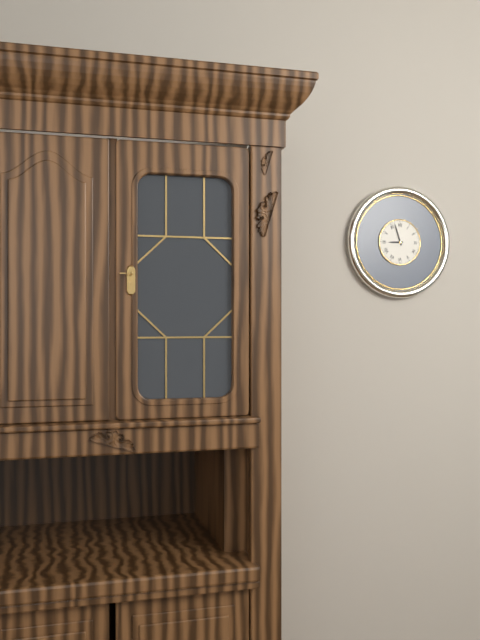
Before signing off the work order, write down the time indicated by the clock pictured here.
8:57
